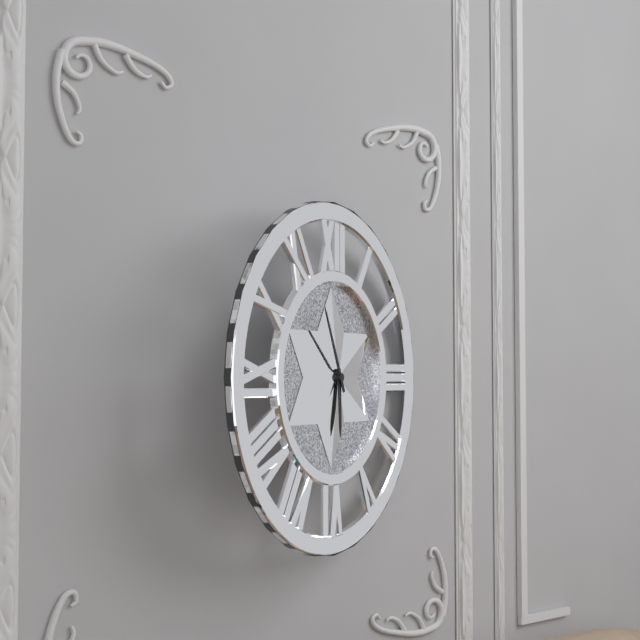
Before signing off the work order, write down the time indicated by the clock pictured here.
5:56
